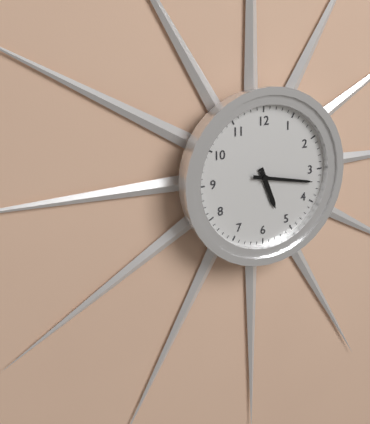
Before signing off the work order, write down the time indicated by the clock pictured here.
5:17
